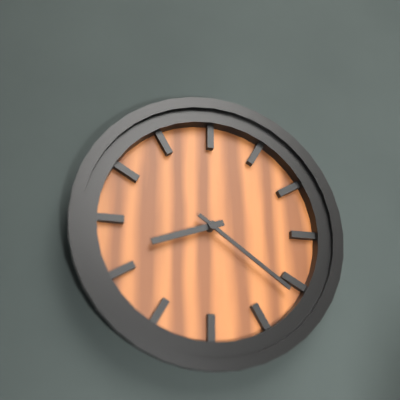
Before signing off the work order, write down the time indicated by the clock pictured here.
8:21
